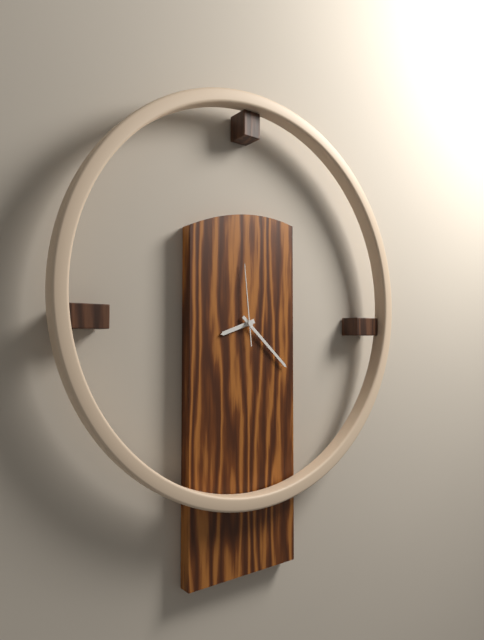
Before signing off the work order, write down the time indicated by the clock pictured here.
8:22:59
